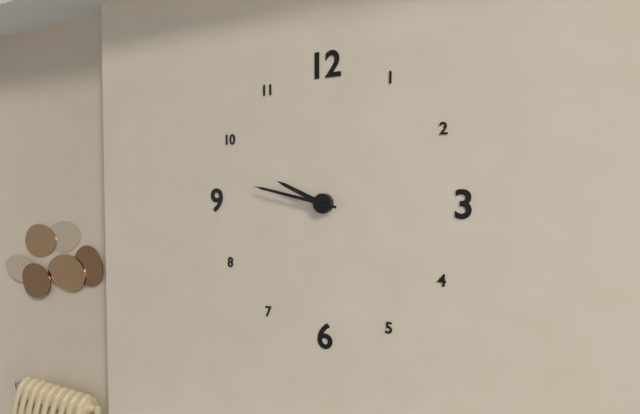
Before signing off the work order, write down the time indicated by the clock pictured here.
9:47
